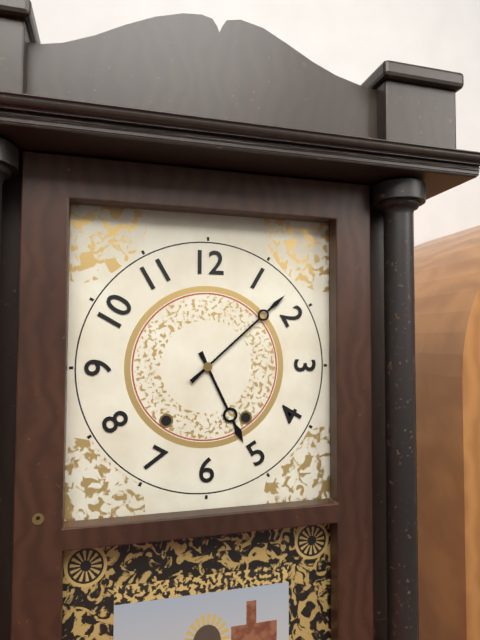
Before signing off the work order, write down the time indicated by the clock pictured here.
5:08
